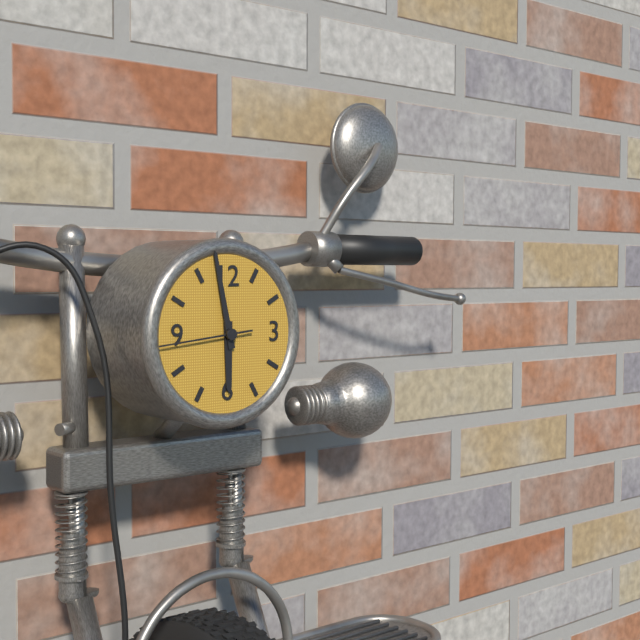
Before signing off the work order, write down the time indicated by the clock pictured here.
5:58:44
